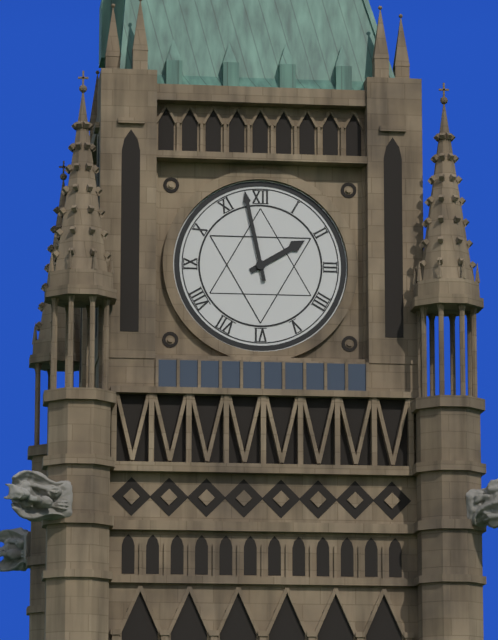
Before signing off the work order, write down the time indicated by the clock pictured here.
1:58
